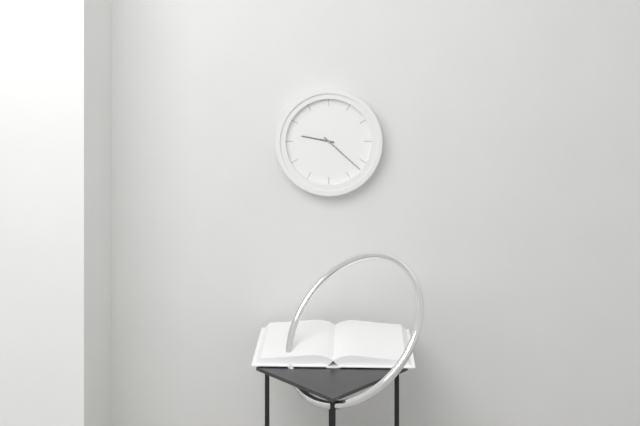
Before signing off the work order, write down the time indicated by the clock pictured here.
9:22
